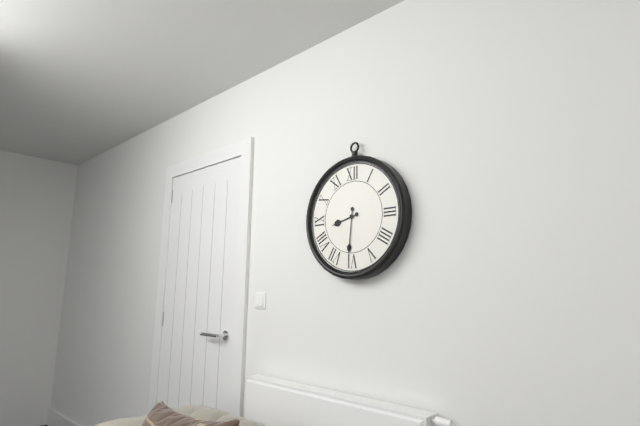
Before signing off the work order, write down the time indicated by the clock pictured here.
8:31
